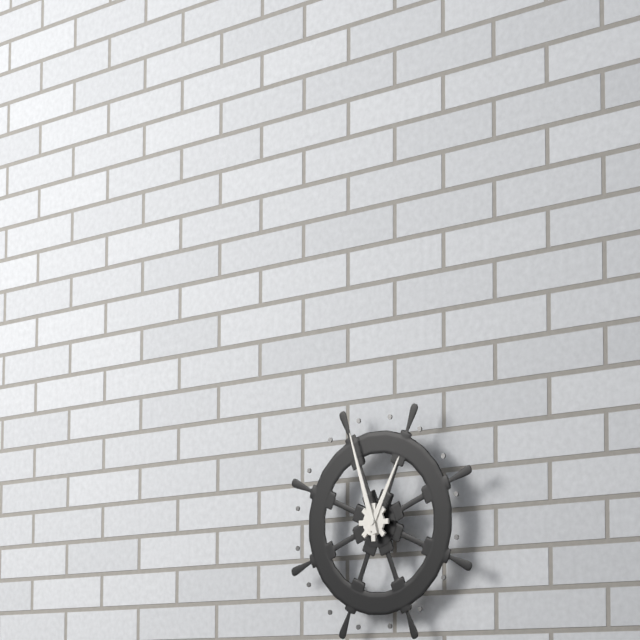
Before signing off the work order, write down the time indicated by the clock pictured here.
12:57
